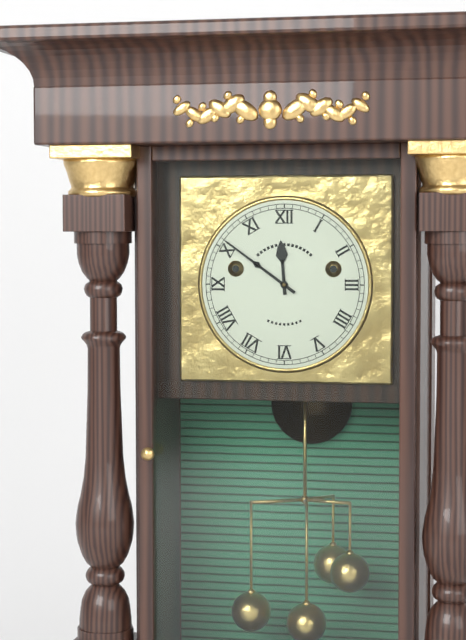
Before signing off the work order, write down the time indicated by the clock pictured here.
11:51
